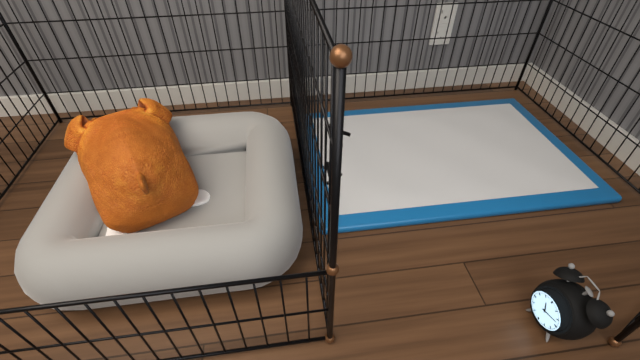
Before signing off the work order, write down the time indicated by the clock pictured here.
11:12
